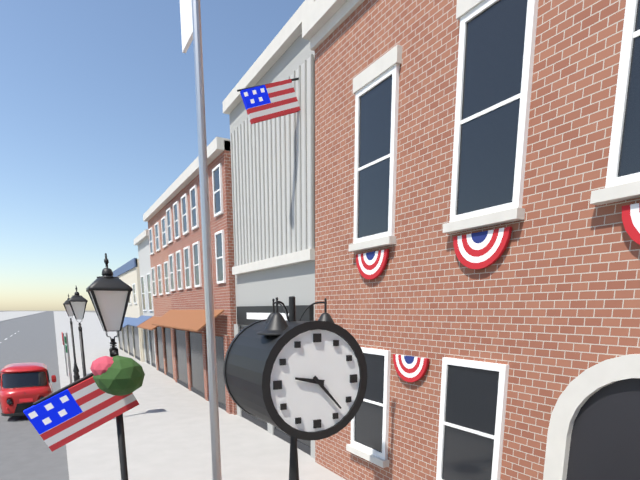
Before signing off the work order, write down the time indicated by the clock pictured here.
9:23
